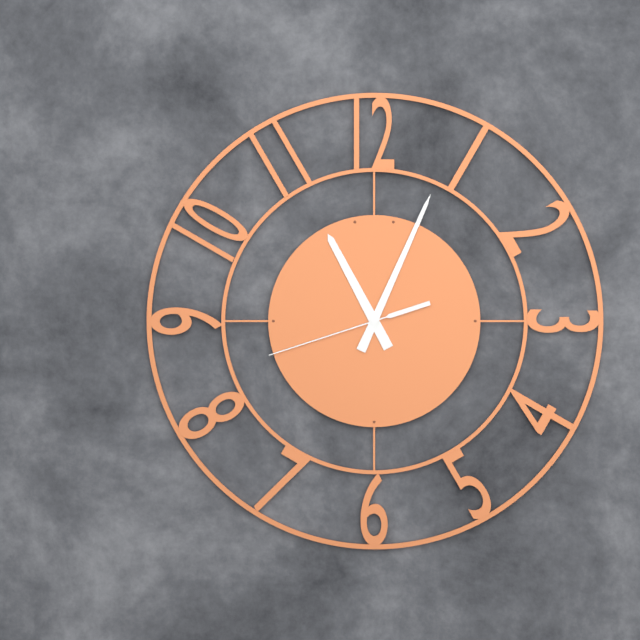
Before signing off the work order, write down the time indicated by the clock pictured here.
11:04:42
